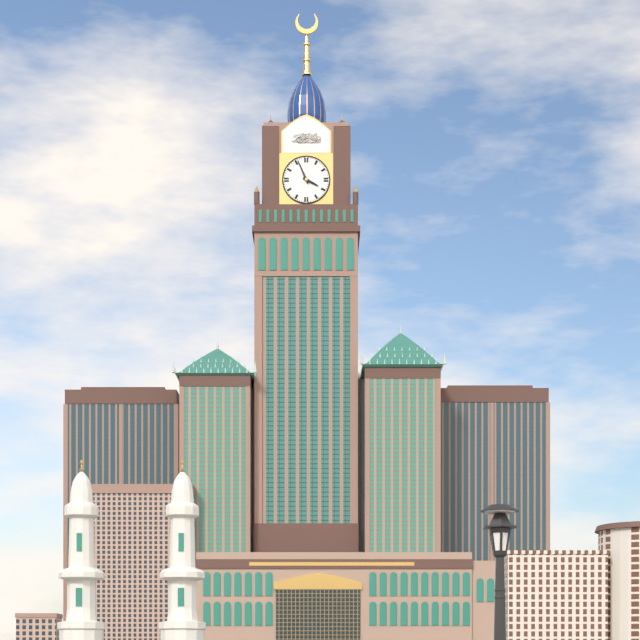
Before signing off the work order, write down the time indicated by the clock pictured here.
3:56
